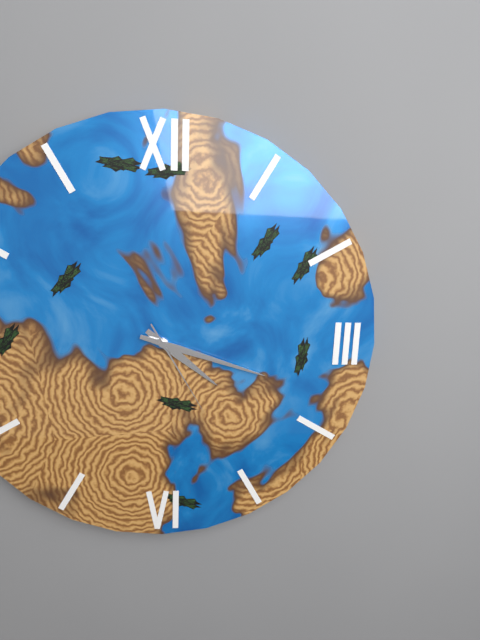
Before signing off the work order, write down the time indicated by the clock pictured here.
4:18:25
